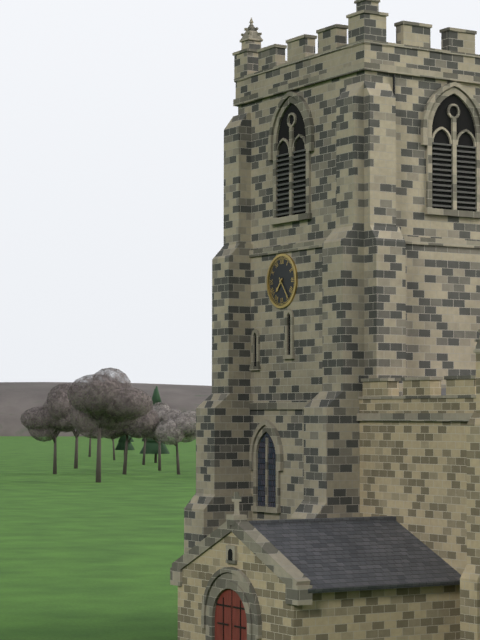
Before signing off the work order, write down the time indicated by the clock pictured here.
7:24
